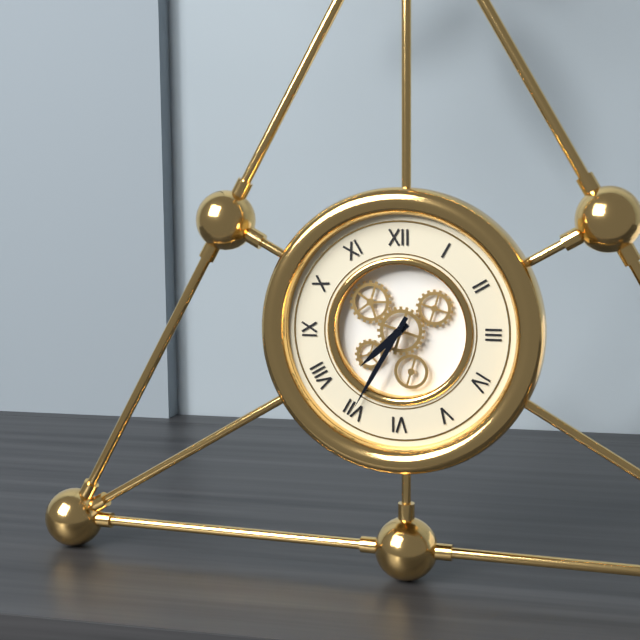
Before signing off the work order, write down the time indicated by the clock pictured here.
7:35
